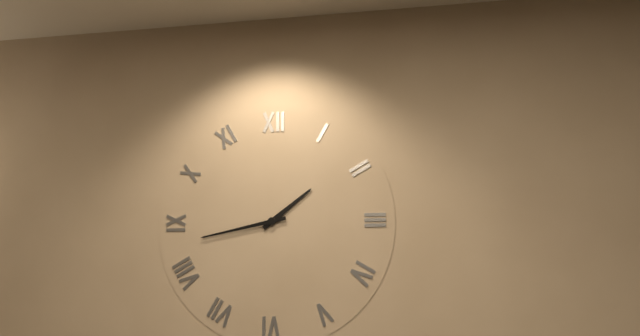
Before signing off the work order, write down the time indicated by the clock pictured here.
1:43
